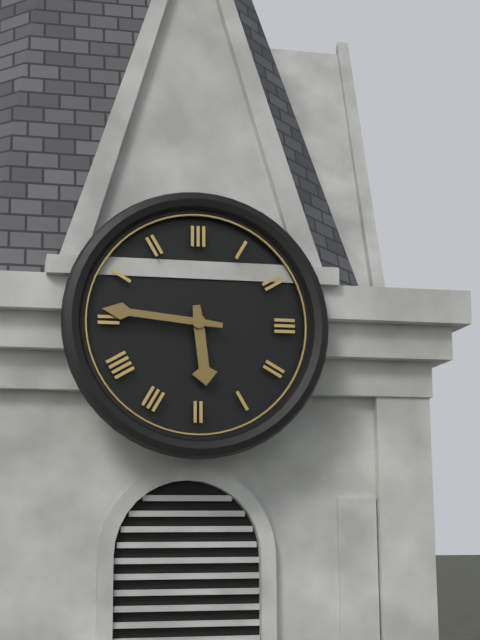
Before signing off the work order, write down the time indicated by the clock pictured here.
5:46
